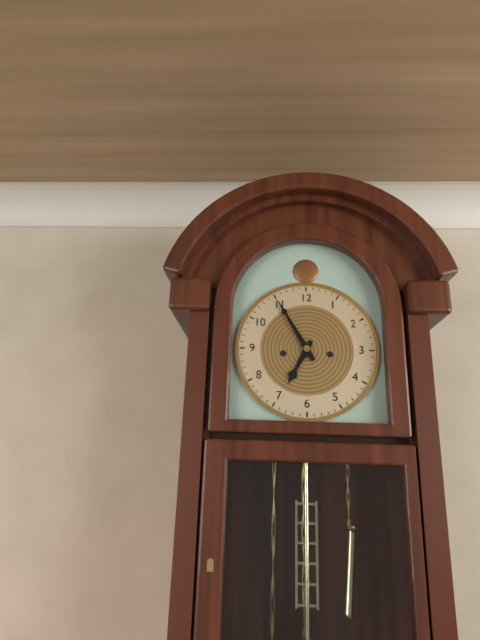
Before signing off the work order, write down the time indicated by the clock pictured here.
6:55
